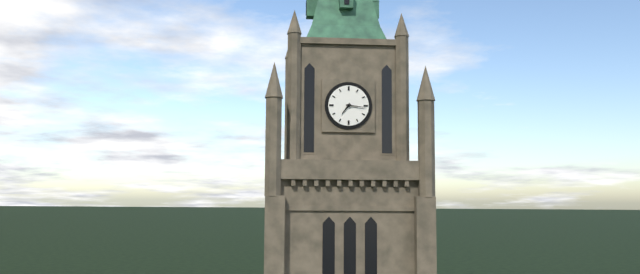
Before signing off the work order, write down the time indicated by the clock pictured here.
7:16
